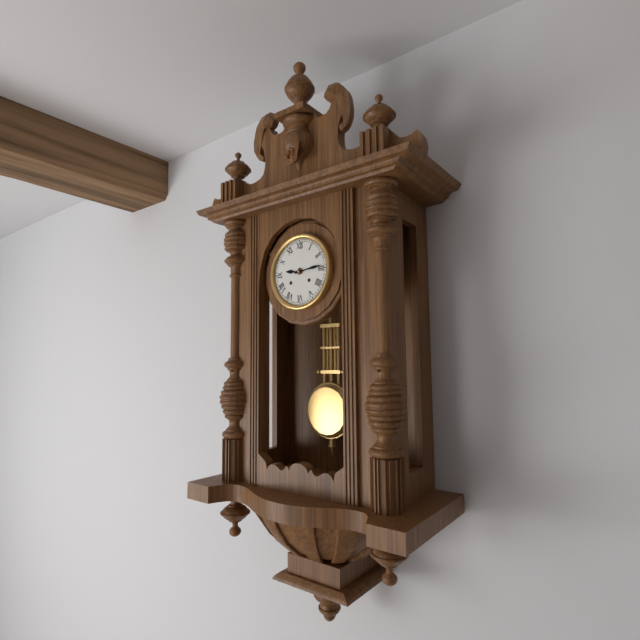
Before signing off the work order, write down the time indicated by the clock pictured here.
9:14
